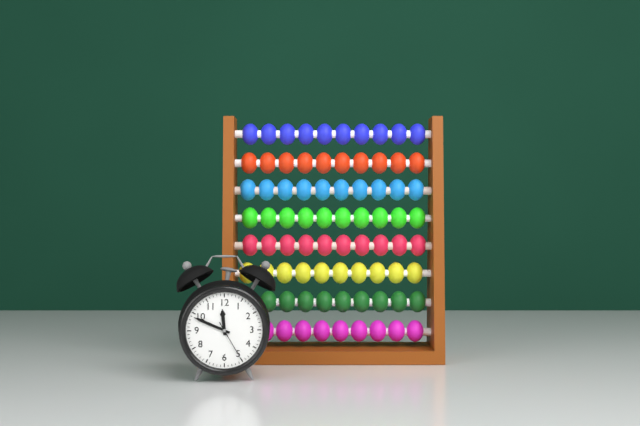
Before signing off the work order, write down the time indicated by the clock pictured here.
11:49
